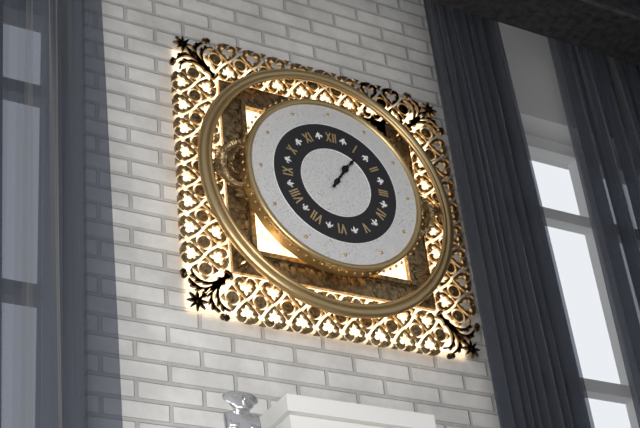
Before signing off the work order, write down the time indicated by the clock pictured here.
1:06
